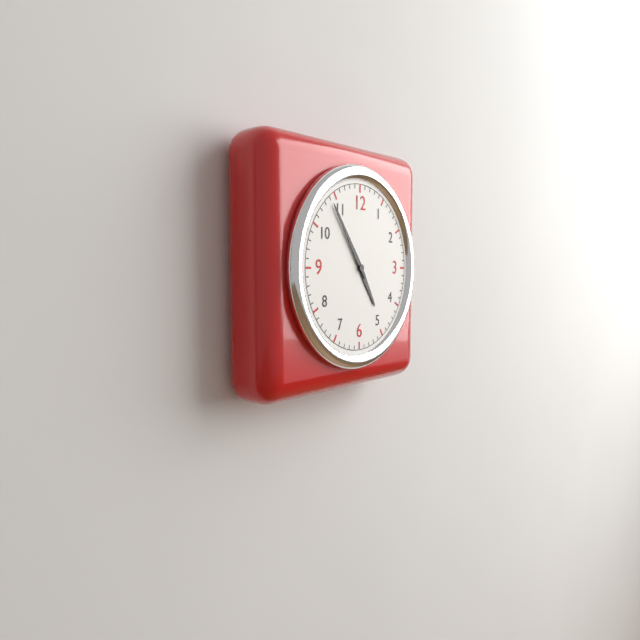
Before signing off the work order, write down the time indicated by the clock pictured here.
4:54
